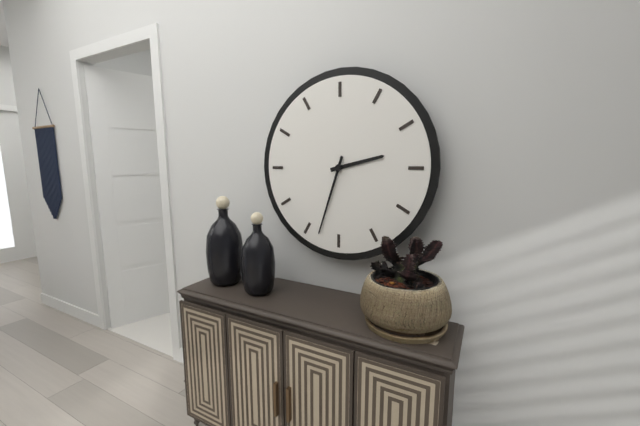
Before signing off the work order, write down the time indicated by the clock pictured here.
2:33
